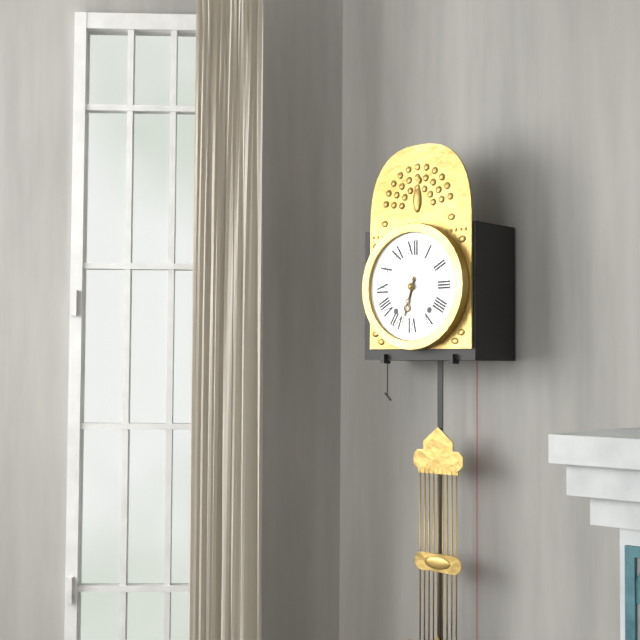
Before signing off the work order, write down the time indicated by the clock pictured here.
6:33
